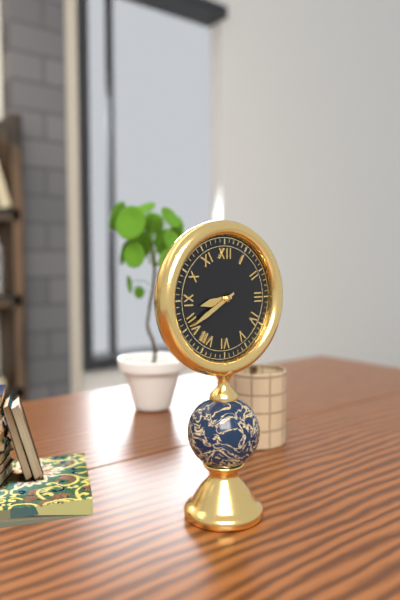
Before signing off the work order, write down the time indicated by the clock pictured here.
8:40
